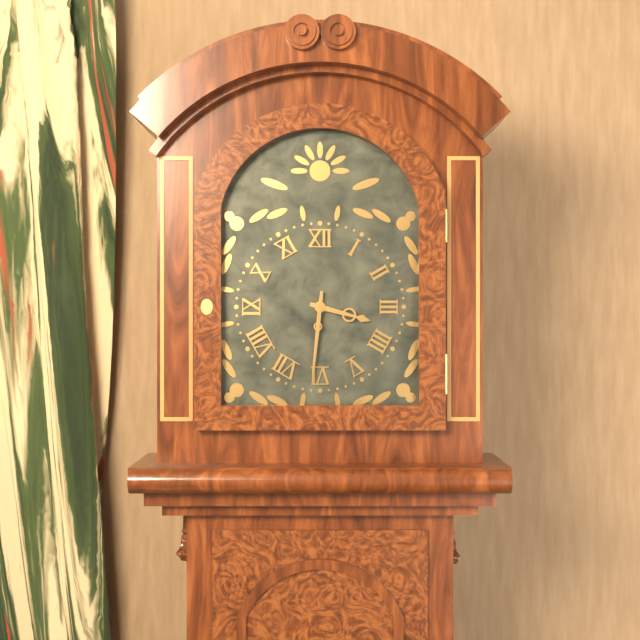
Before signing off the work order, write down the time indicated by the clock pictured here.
3:31
